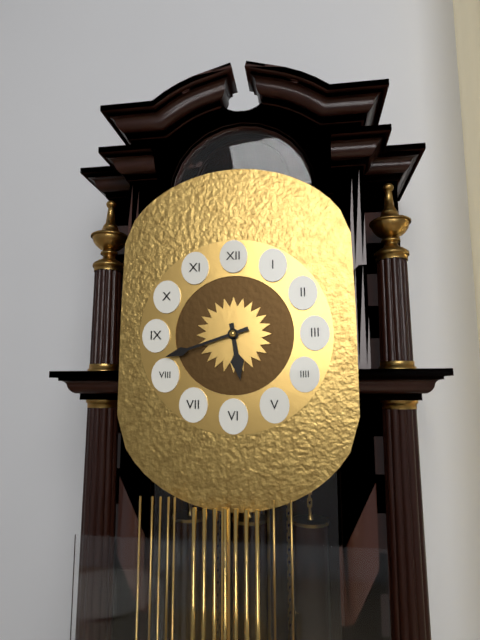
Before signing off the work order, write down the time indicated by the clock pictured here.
5:42
